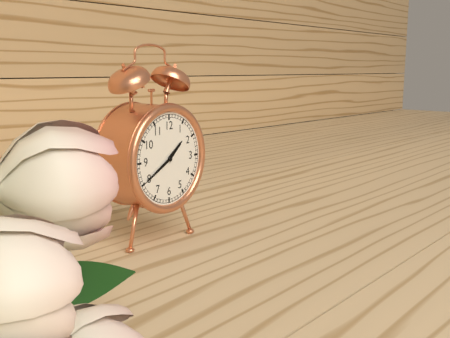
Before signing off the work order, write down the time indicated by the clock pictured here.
1:40
